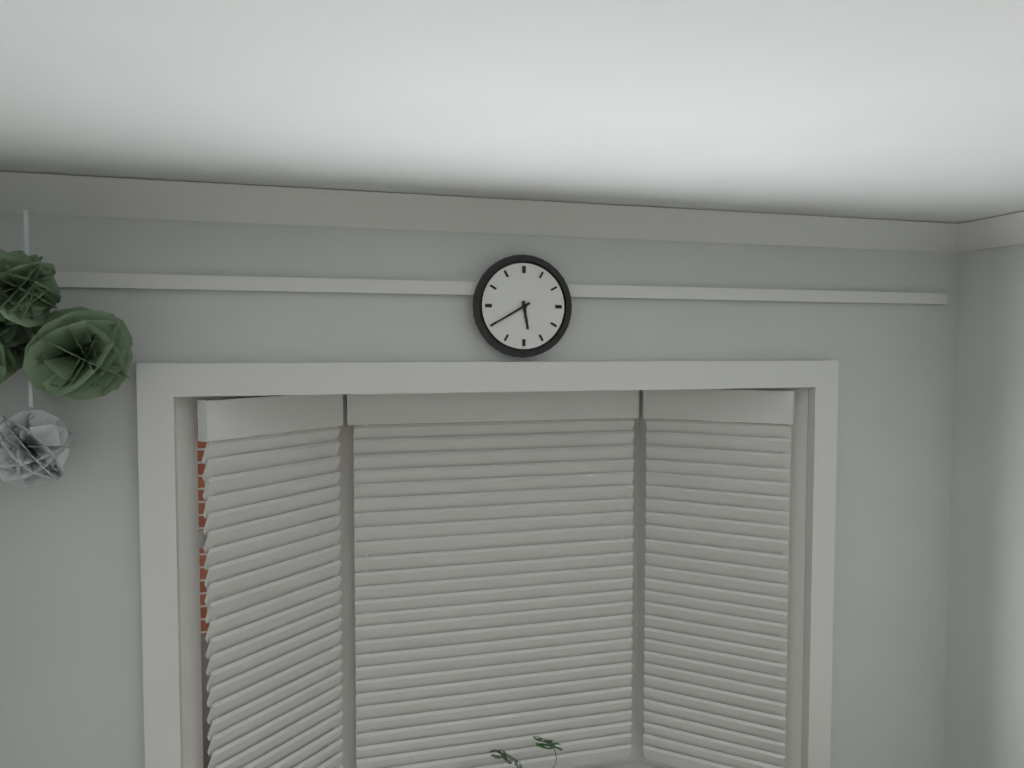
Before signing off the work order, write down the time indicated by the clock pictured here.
5:40
